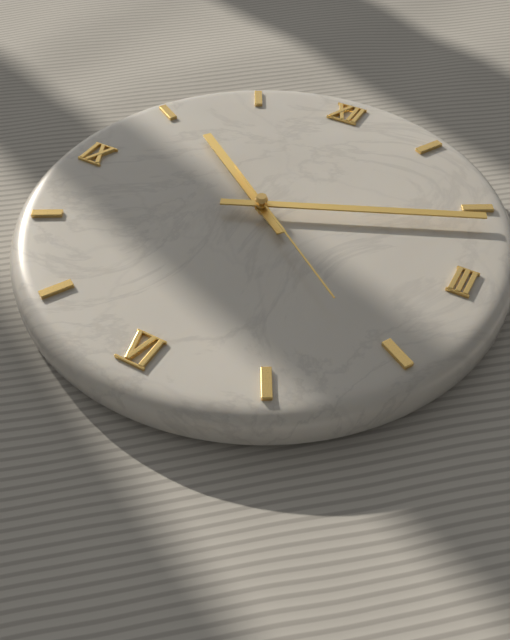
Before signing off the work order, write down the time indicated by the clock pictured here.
10:11:21
